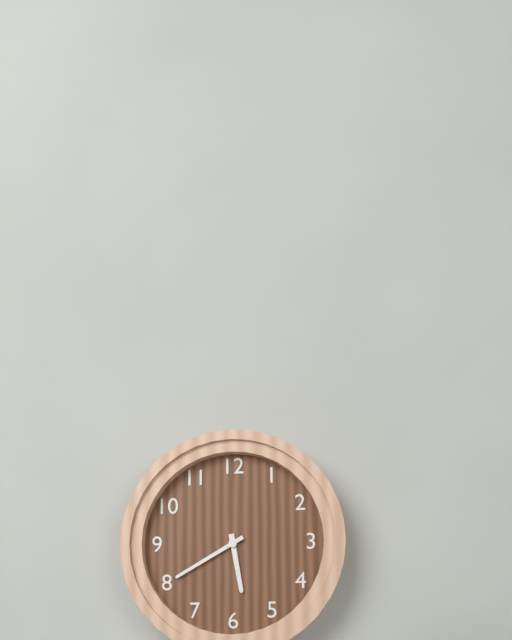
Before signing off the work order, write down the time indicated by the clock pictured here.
5:40
